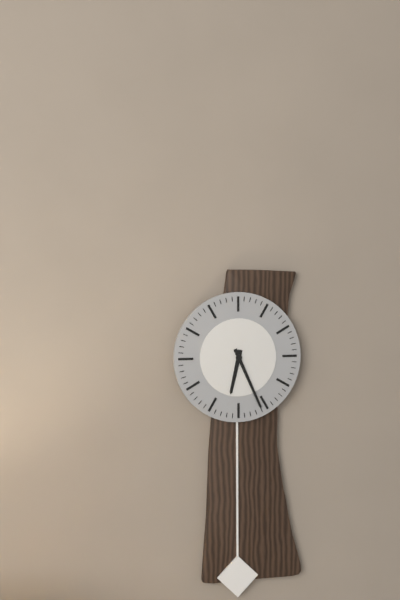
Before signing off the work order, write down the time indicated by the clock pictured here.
6:26
